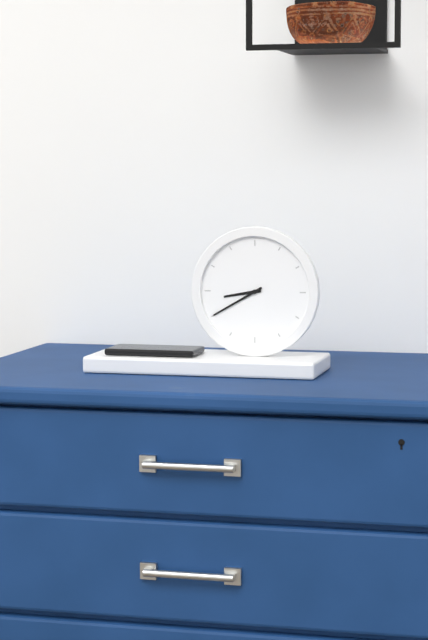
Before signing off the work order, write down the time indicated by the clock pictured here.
8:40
